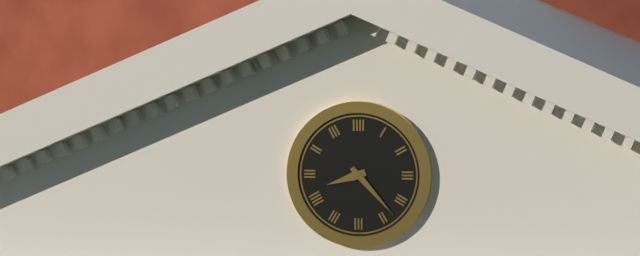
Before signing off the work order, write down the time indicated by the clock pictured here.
8:23
